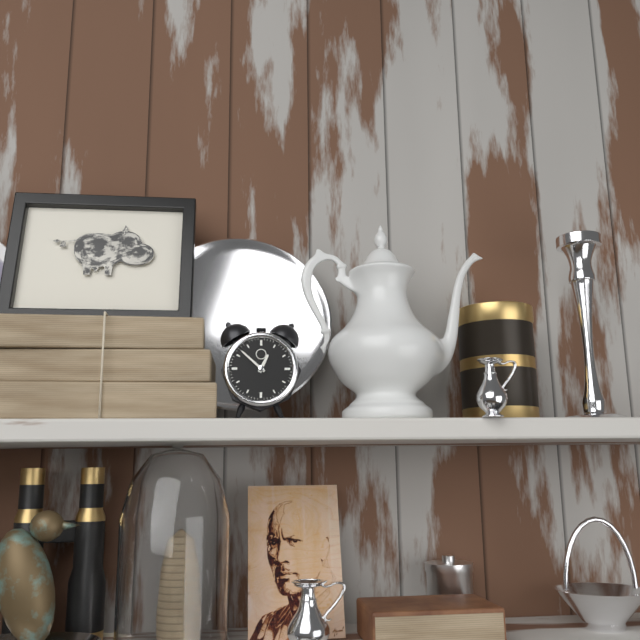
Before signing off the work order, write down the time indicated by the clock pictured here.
12:52
